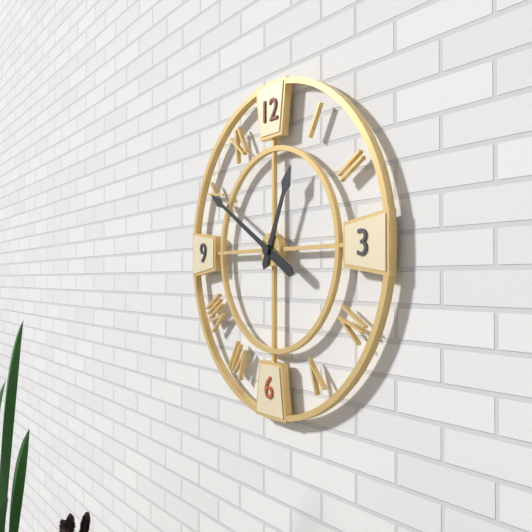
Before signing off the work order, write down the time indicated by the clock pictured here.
12:50
